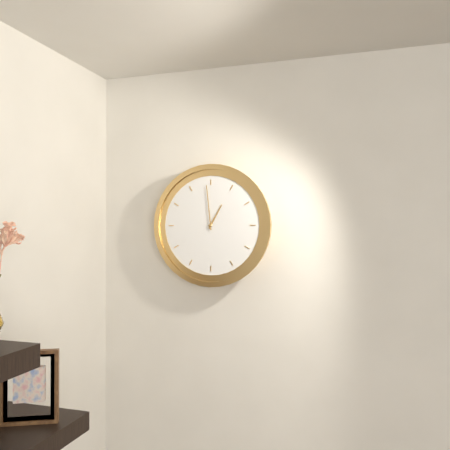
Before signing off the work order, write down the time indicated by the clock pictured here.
12:59
